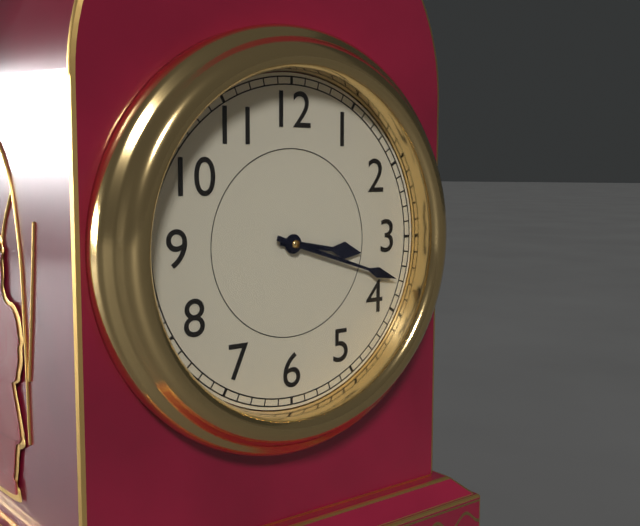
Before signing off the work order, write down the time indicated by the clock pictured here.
3:18
